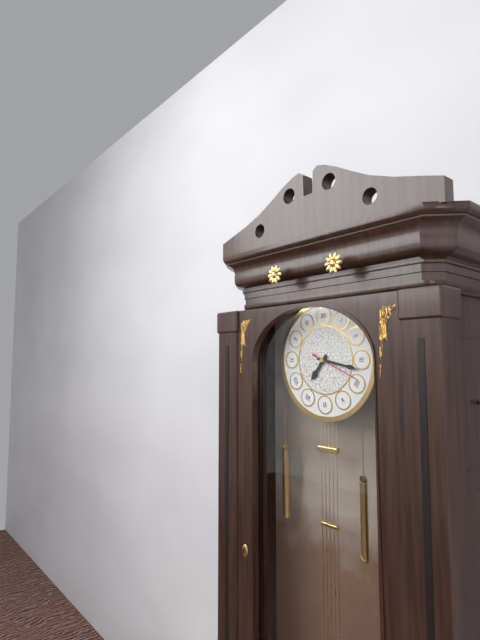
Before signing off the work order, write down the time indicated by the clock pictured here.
7:17:19
